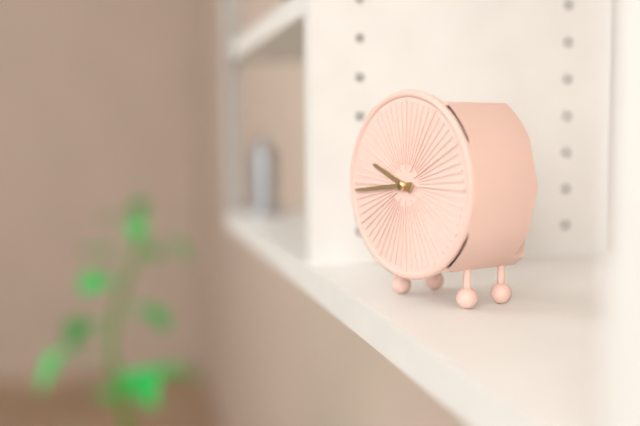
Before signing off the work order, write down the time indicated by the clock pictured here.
9:44
